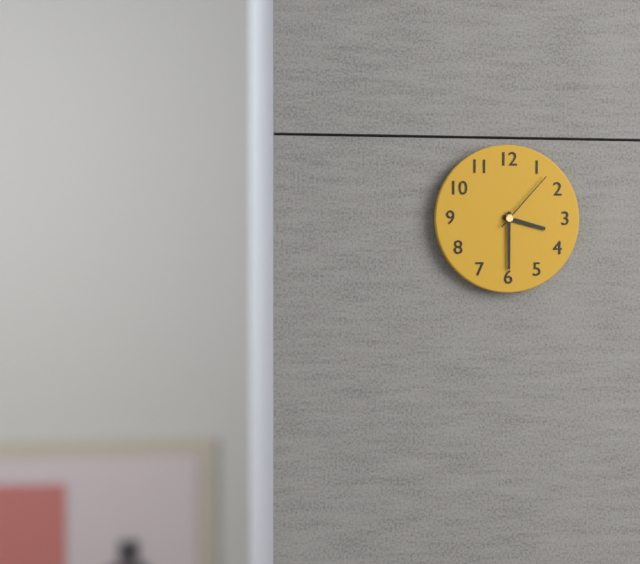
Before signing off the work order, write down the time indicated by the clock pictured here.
3:30:07
